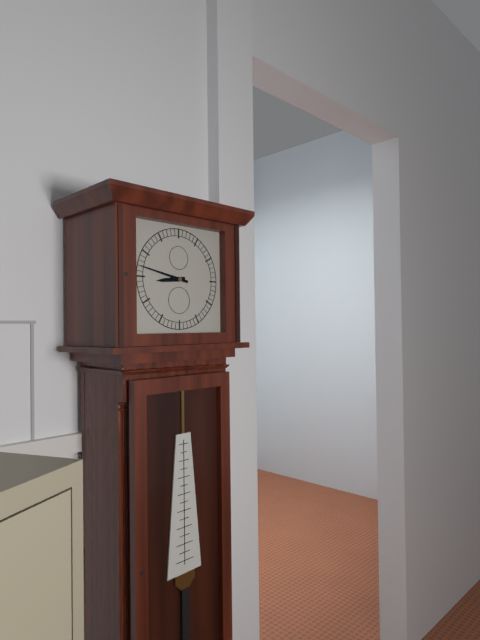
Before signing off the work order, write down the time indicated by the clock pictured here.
8:47
